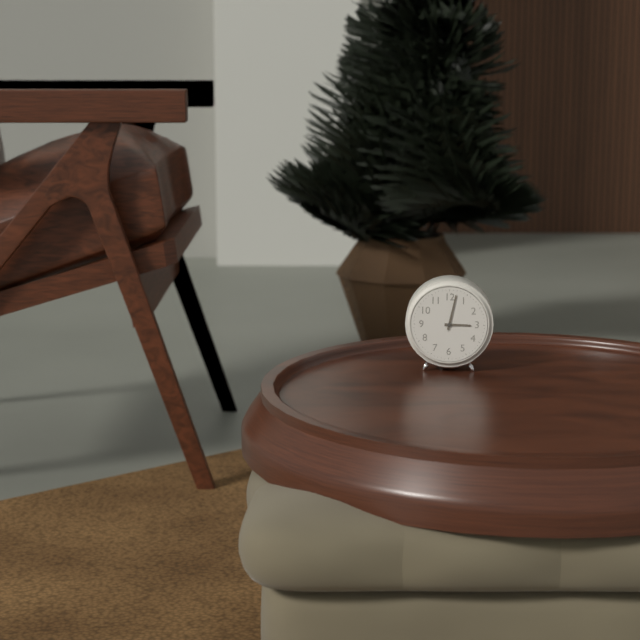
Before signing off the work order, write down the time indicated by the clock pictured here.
3:02
